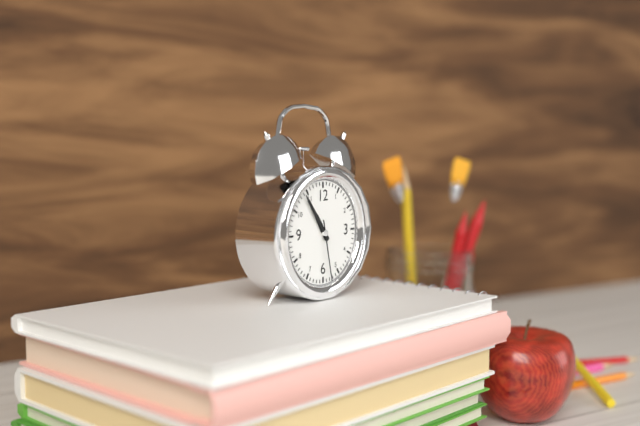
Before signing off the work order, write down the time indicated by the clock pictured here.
10:54:28
